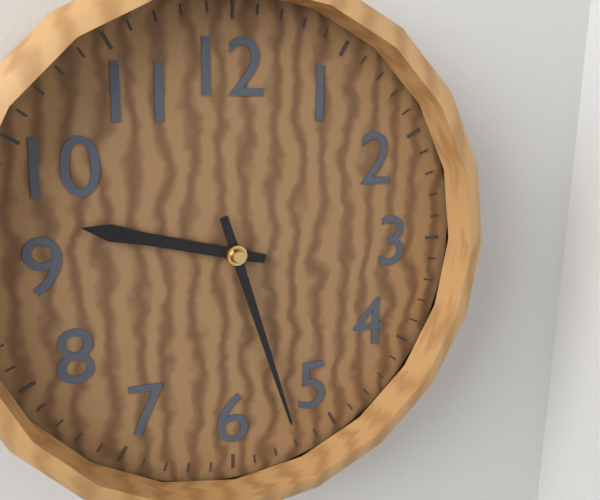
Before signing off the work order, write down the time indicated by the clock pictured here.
9:27
